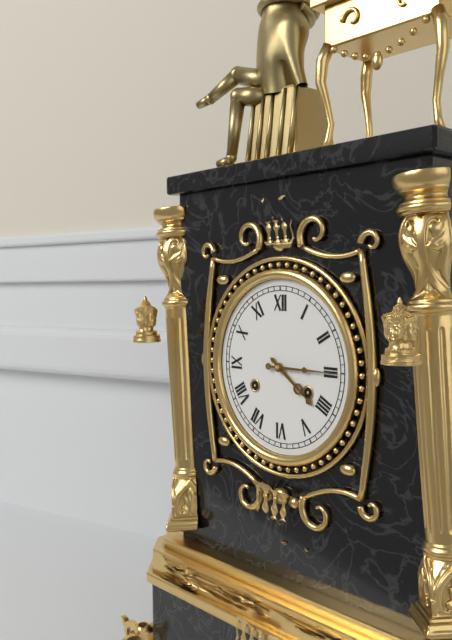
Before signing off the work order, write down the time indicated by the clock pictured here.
4:15
